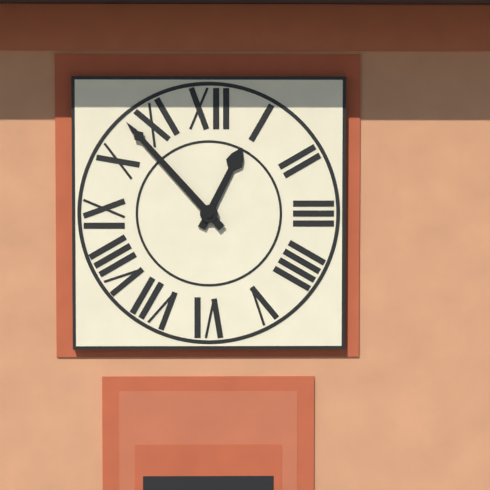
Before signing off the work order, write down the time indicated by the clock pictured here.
12:53
